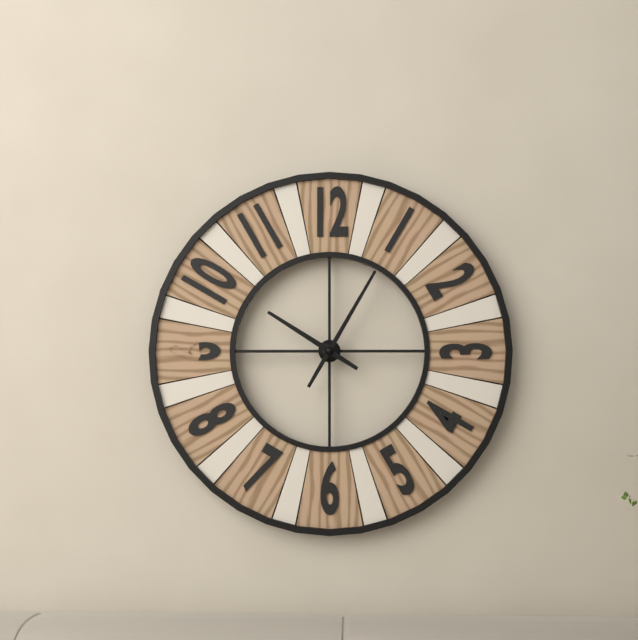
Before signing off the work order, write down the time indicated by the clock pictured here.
10:05
